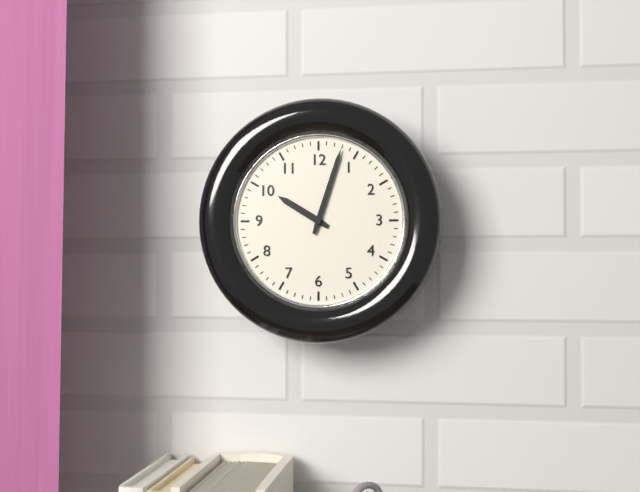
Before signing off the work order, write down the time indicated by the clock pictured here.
10:03
